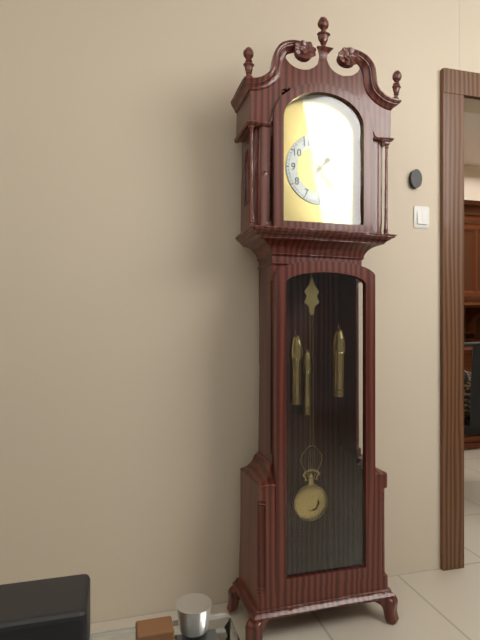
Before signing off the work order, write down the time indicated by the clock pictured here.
1:24
